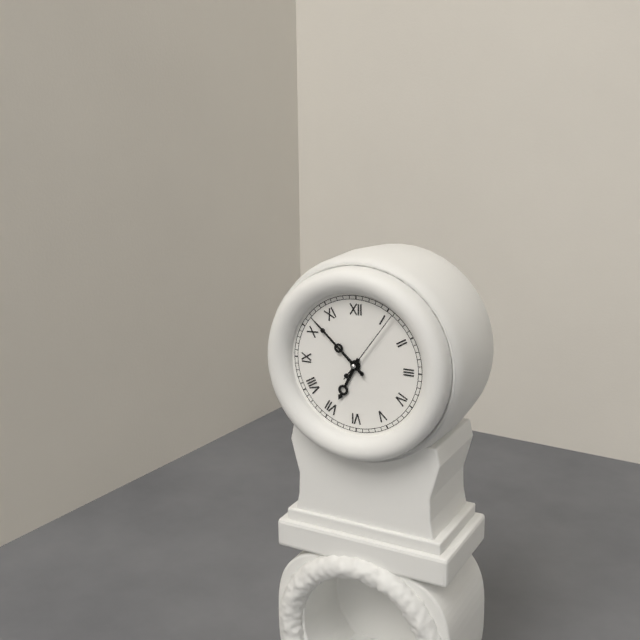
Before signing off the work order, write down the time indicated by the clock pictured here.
6:52:06
